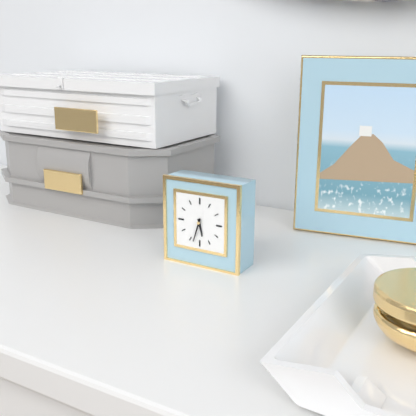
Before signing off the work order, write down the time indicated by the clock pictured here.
5:33
